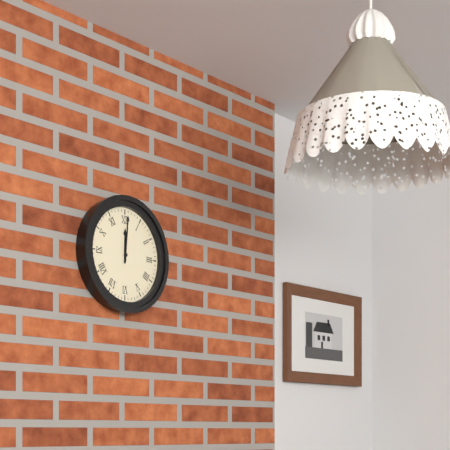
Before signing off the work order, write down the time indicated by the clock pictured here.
12:01
